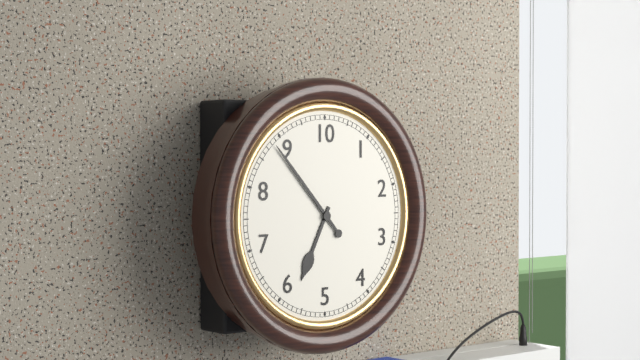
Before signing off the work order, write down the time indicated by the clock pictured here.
6:53
